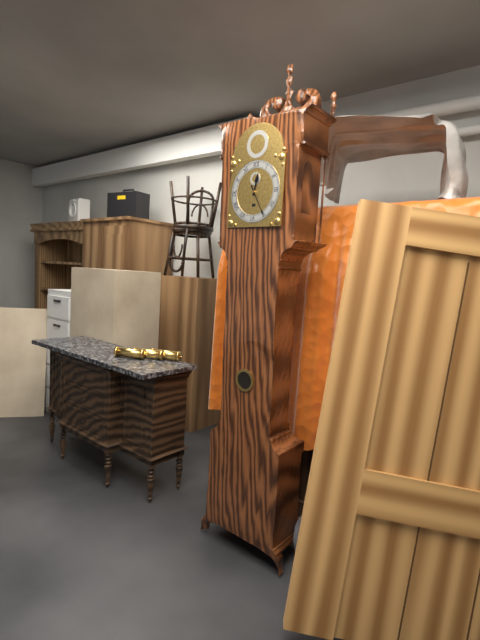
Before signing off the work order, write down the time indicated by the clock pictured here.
12:25
